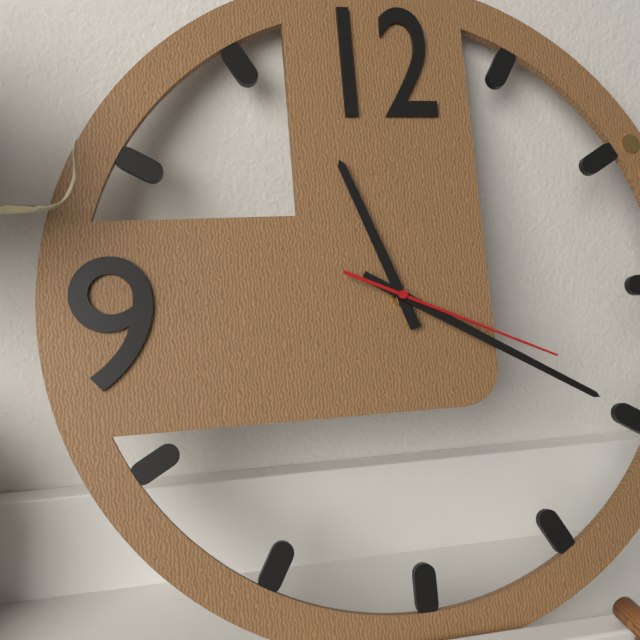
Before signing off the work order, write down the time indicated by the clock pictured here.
11:20:19
